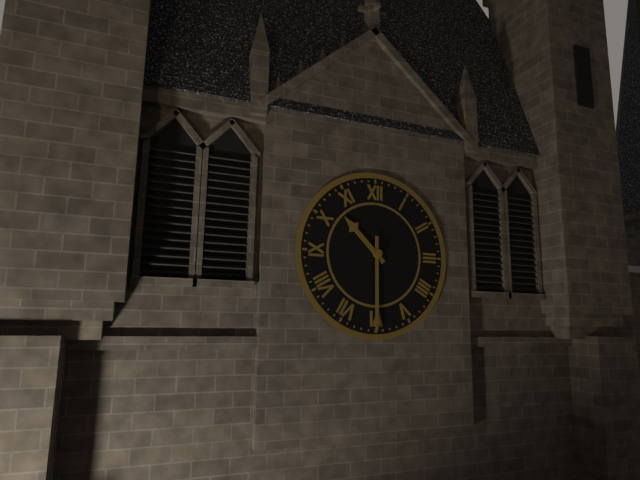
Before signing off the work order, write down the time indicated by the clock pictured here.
10:30
